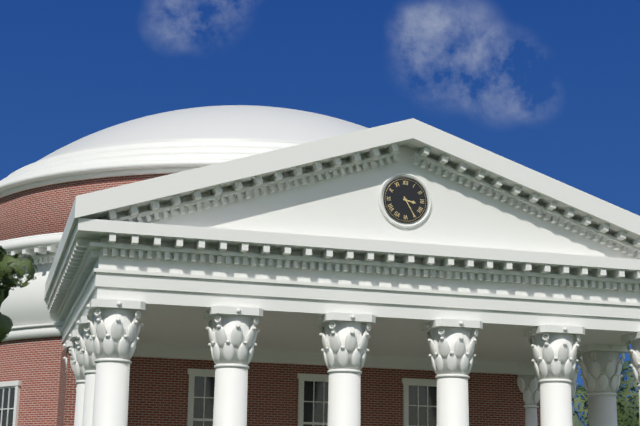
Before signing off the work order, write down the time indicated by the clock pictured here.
3:25
